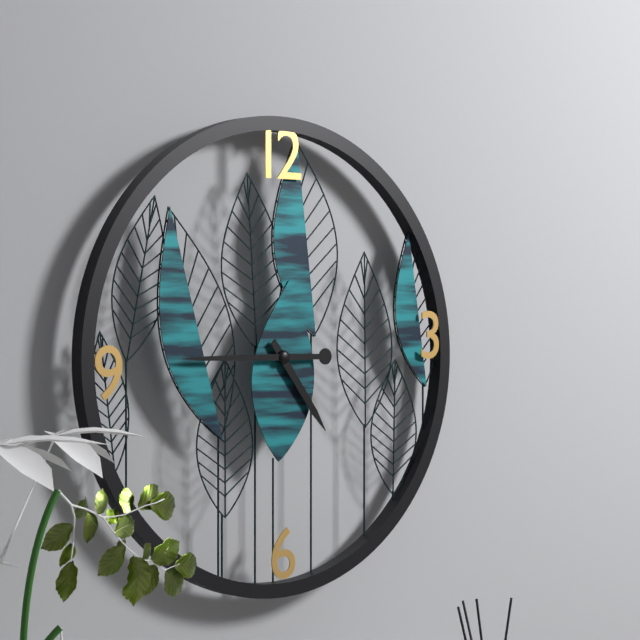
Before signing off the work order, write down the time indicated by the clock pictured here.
4:45
